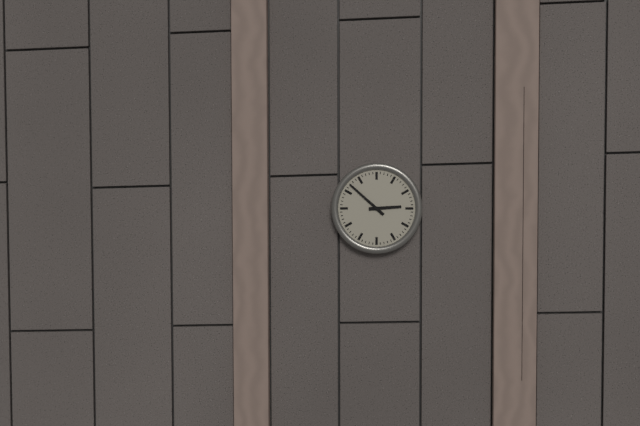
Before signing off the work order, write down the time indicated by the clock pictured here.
2:52
